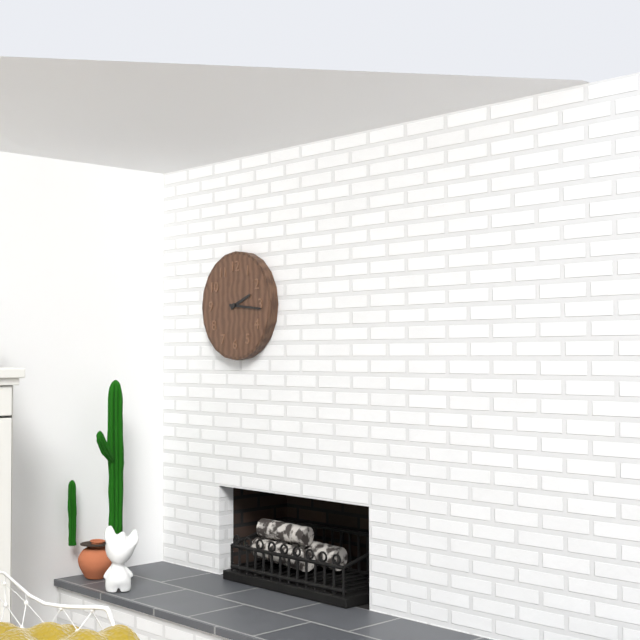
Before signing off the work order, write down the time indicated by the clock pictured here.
2:16
